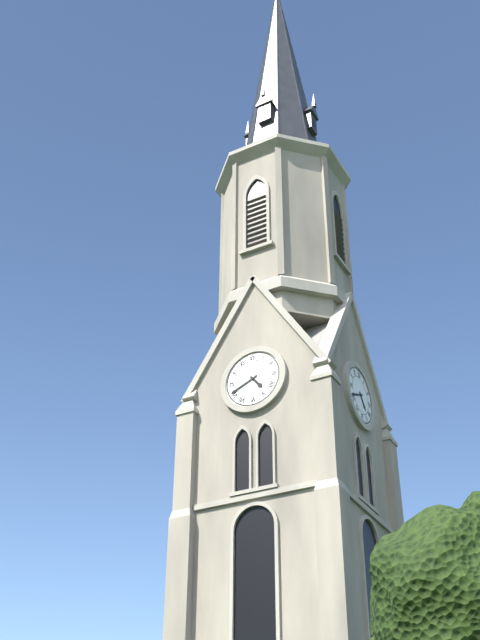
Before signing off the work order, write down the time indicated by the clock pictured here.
4:41
